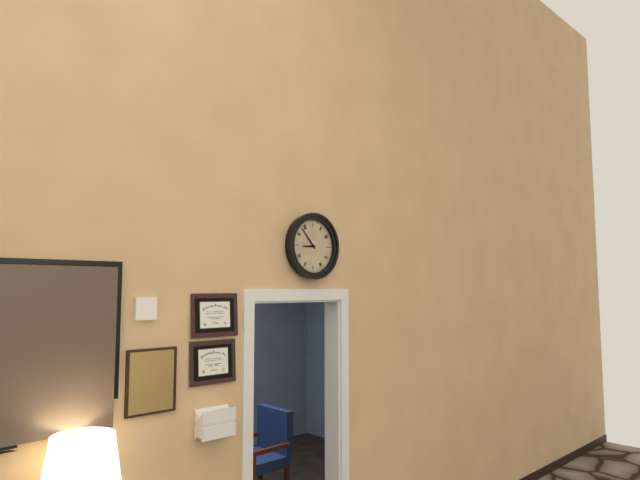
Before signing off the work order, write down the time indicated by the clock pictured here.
8:53
